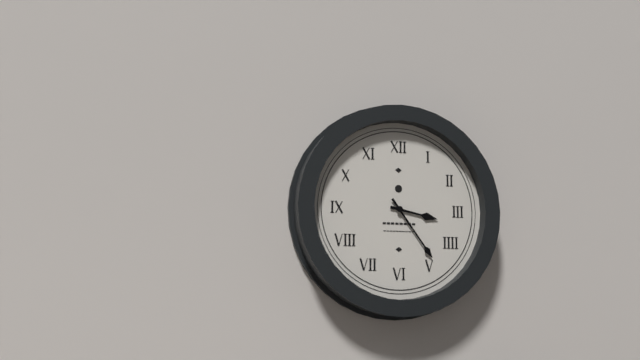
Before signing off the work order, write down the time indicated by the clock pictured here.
3:24
